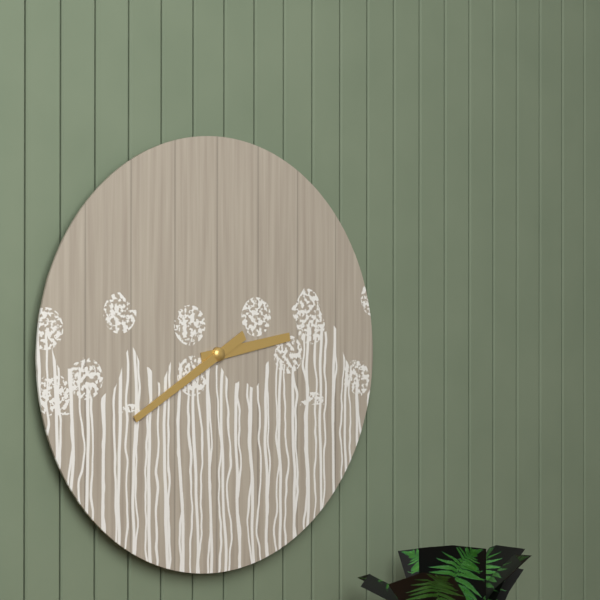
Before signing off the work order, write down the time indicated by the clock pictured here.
2:40
